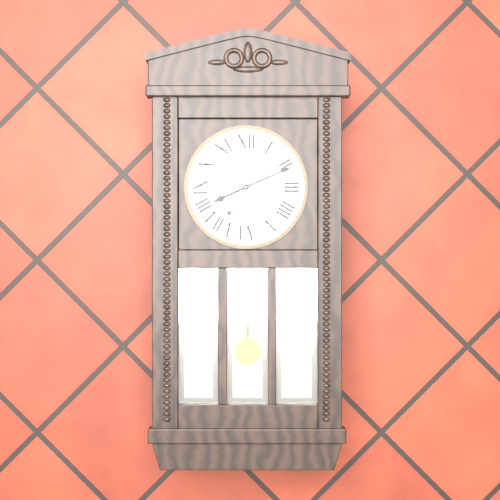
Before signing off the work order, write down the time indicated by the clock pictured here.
8:11
